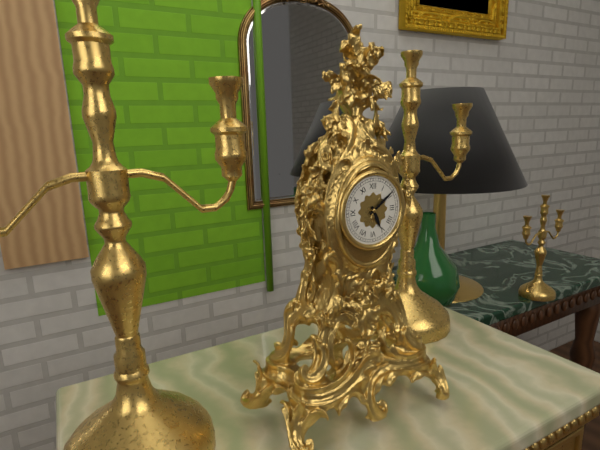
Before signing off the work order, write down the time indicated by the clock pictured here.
5:09
